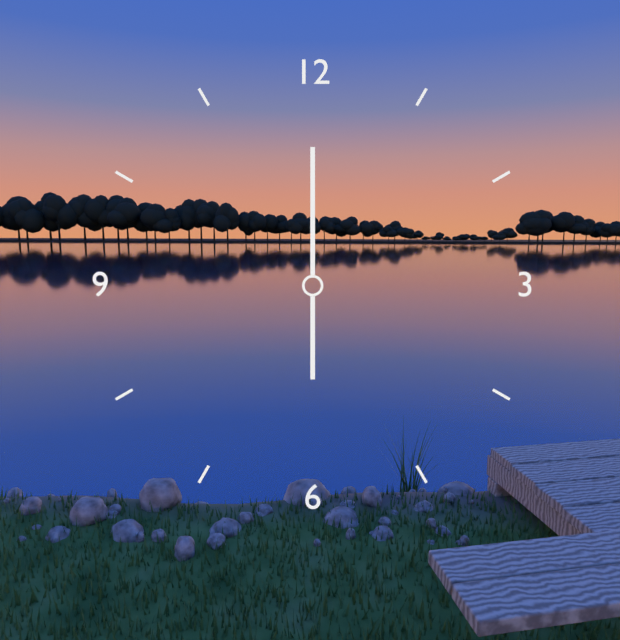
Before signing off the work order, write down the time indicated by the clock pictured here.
6:00
